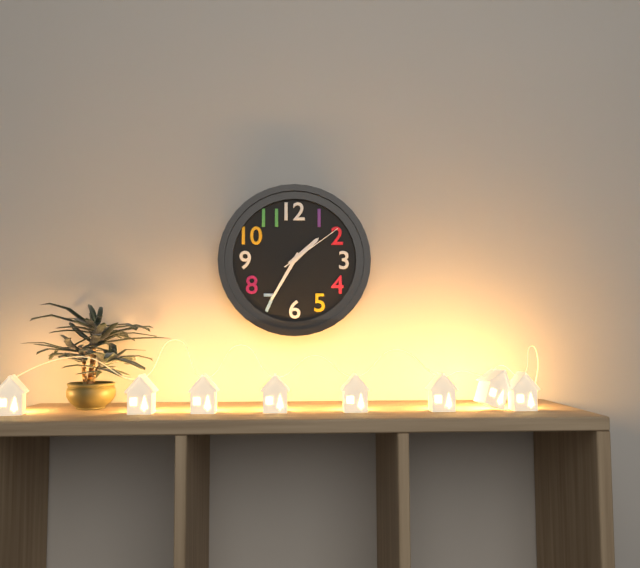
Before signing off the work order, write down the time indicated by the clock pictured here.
1:35:09
